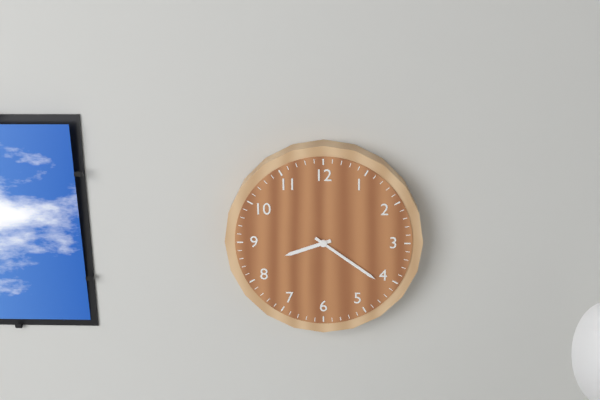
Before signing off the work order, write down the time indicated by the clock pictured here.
8:21
